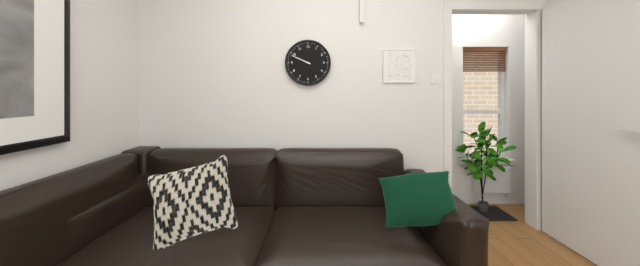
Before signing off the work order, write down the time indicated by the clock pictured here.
9:49
